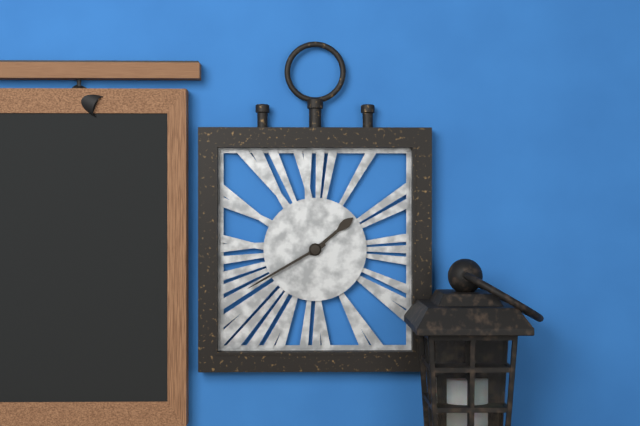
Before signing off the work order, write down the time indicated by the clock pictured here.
1:40
